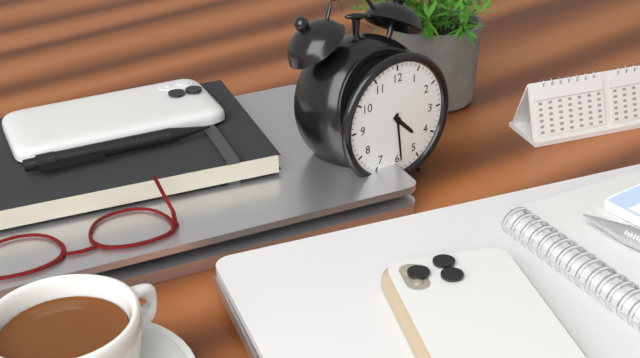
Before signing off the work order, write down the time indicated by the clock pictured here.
4:29
